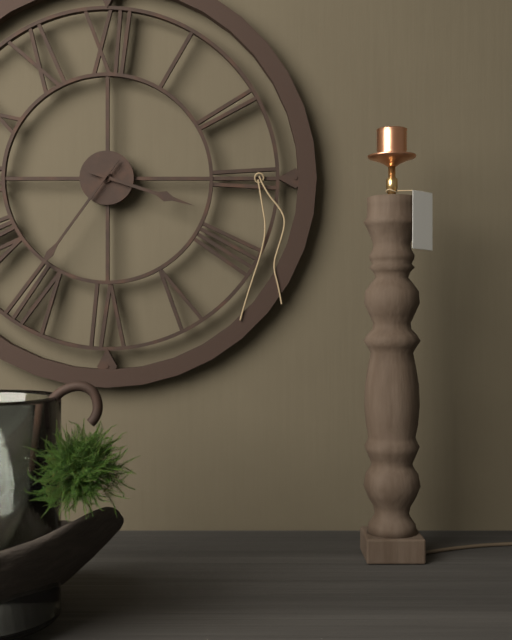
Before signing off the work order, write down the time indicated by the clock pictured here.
3:36
